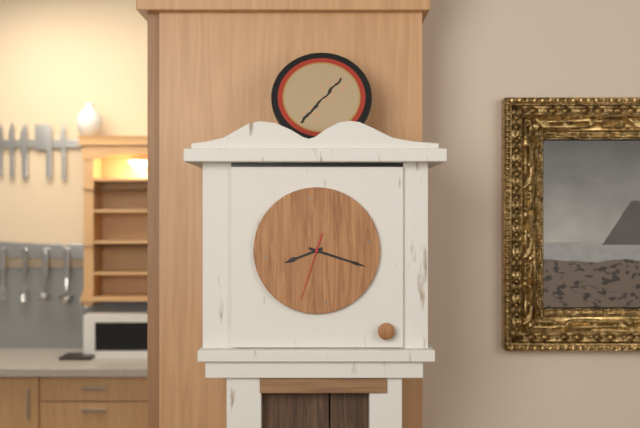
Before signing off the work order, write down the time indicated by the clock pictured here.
8:18:33
